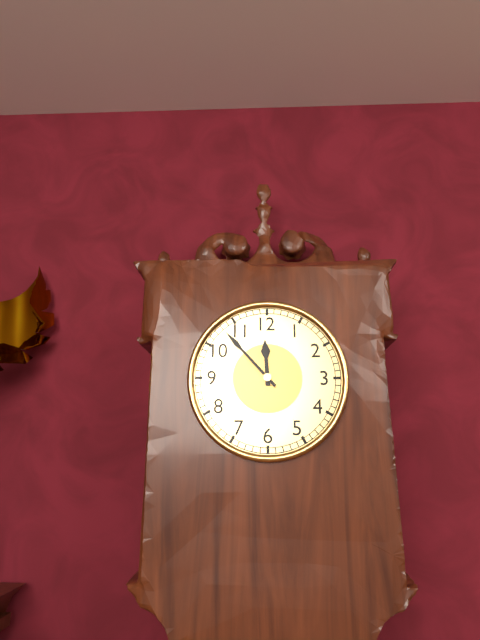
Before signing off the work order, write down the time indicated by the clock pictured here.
11:53
